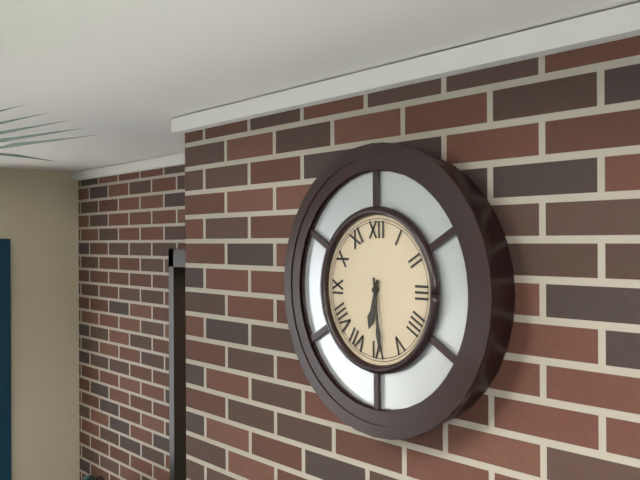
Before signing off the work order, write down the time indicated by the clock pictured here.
6:29
